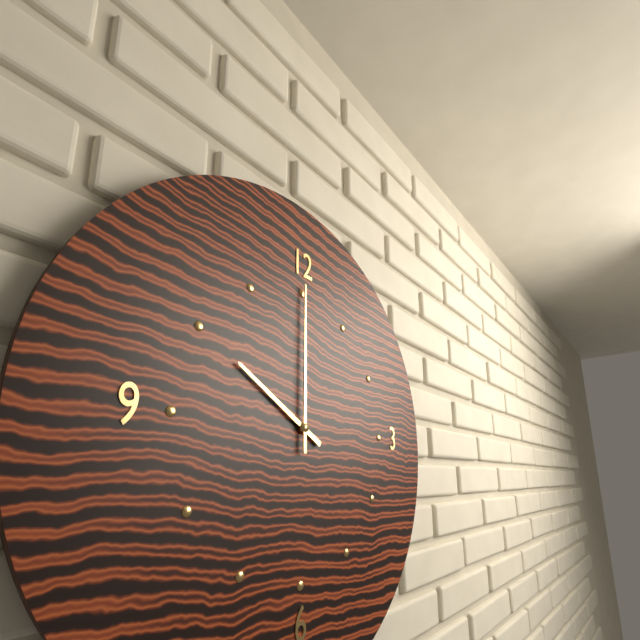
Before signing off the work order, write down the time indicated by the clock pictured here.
10:00
